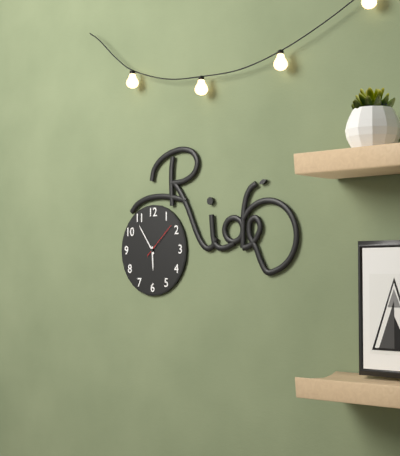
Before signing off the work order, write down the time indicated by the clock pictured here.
5:54
